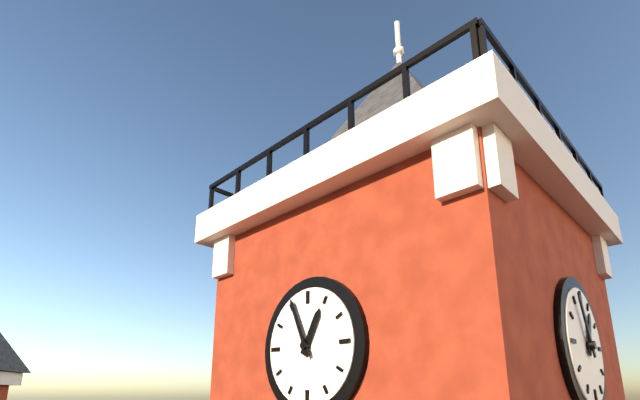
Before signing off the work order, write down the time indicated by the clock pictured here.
12:56
